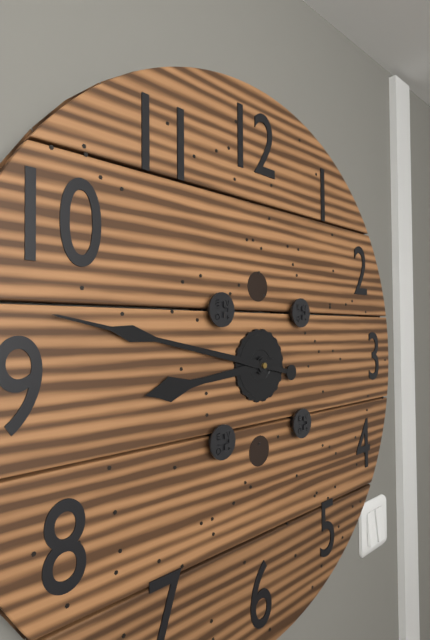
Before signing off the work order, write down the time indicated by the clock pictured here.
8:47
